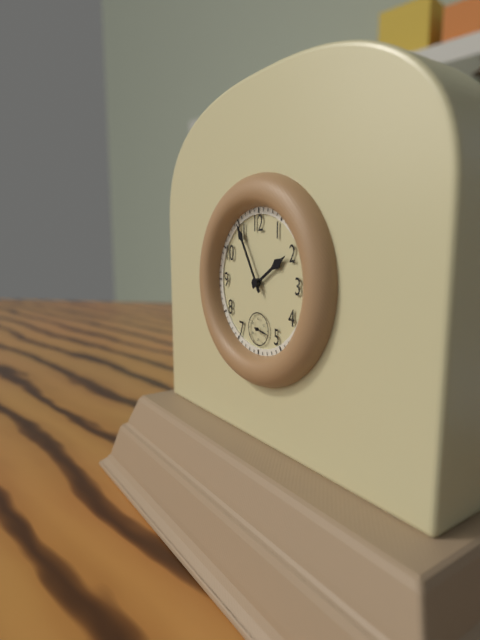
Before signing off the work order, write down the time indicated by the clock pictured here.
1:55
